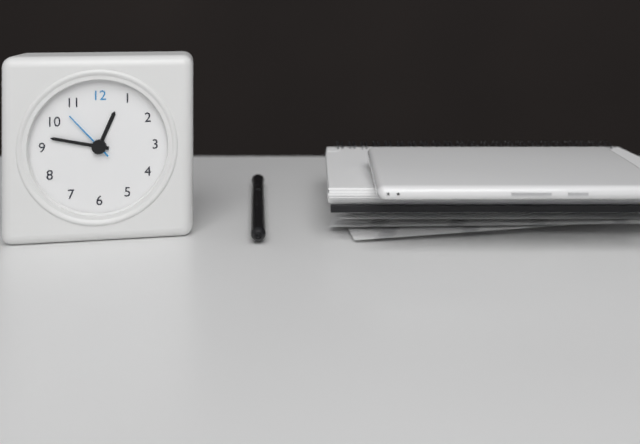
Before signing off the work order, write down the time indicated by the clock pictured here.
12:47:53
